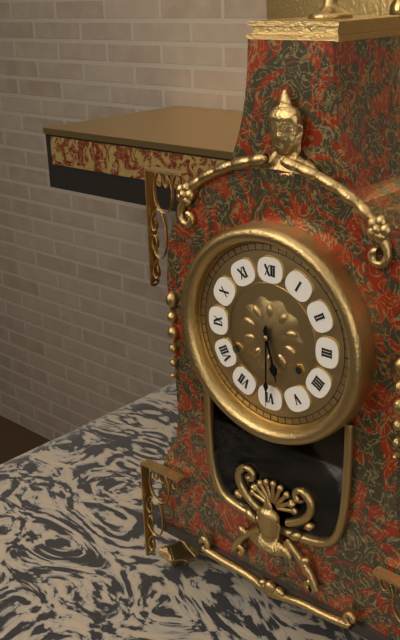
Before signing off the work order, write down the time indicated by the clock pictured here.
5:30
